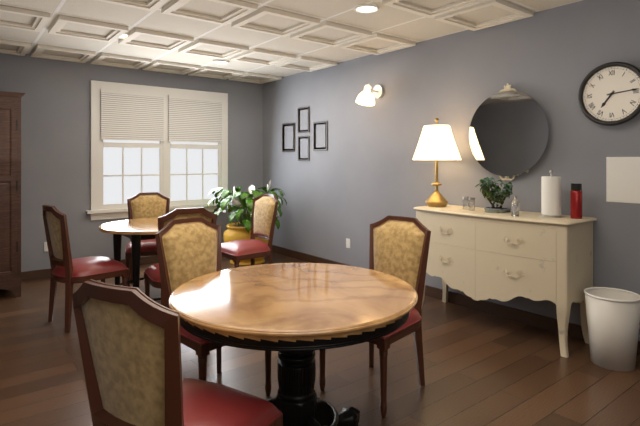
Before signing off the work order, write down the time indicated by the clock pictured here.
7:14
